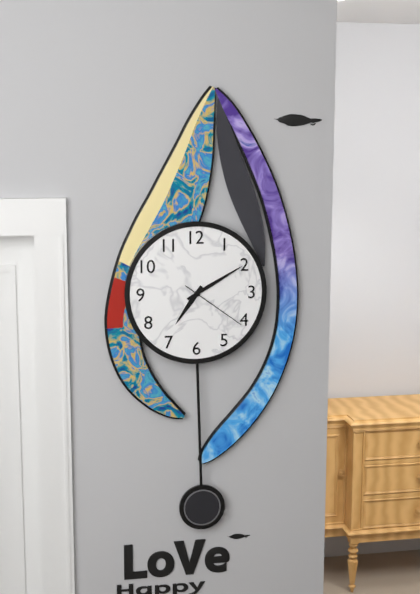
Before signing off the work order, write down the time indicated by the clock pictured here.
7:10:21
